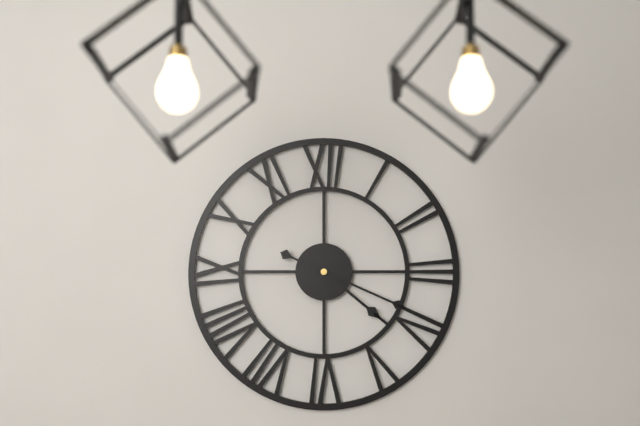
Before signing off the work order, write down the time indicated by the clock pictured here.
4:19
